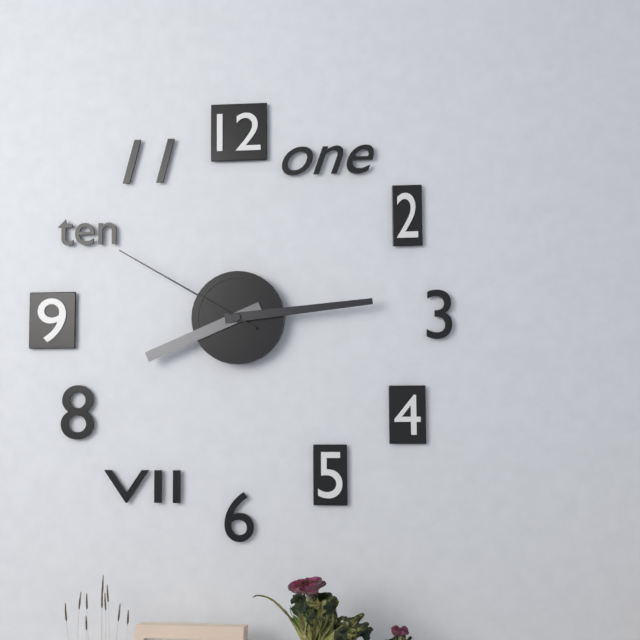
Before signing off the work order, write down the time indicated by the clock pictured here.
8:14:50
